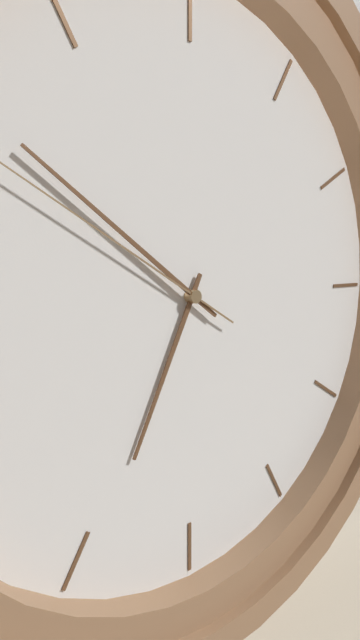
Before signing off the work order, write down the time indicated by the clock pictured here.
6:51
